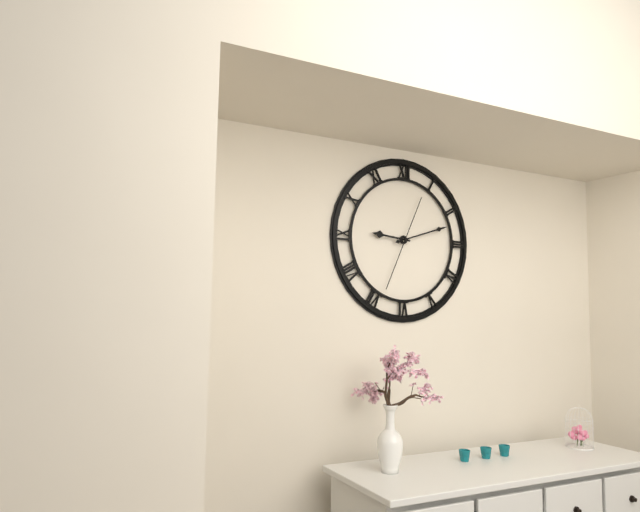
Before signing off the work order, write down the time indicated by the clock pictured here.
9:12:34
